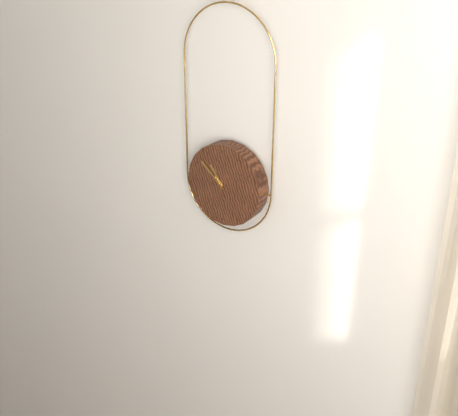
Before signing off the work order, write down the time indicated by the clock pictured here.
10:52
